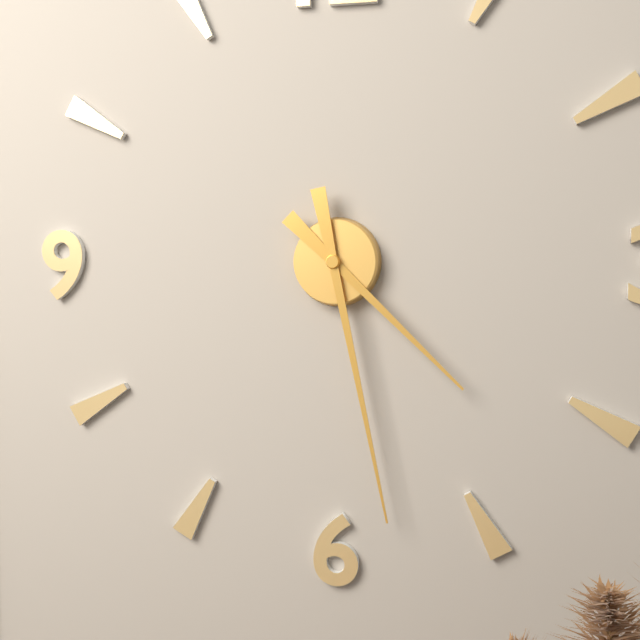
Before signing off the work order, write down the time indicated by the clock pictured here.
4:28
